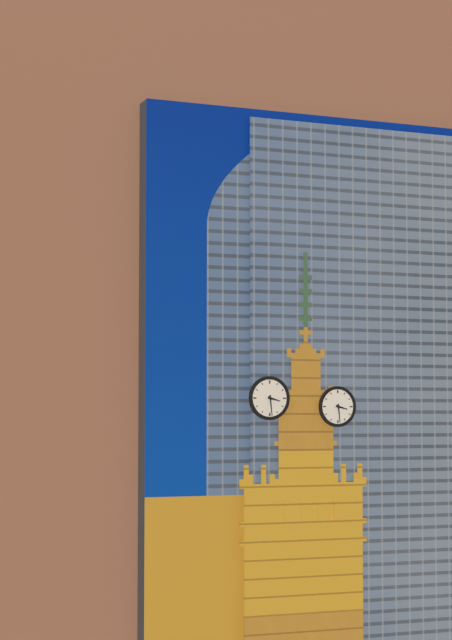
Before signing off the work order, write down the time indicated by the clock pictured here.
3:29
